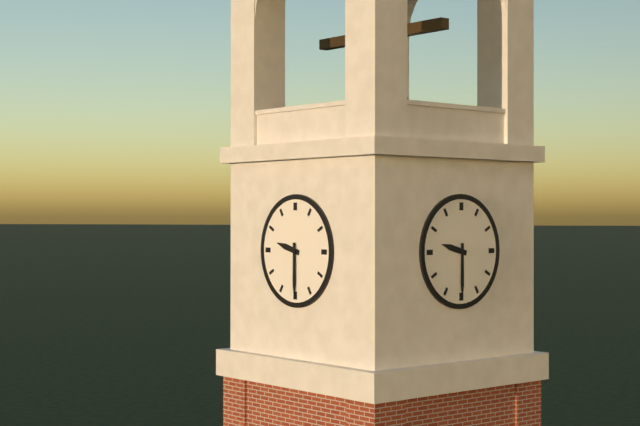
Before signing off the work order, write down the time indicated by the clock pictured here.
9:30
